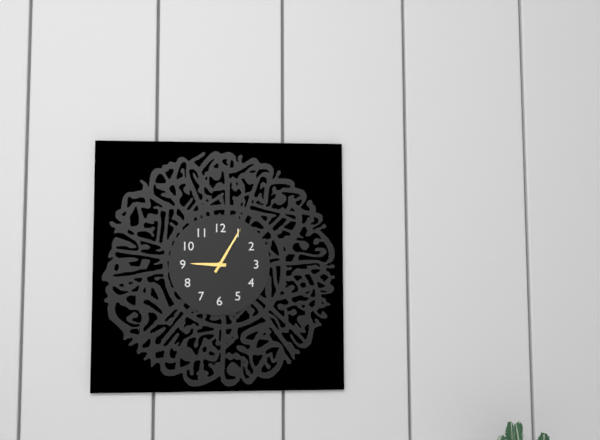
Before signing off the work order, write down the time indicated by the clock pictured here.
9:05
